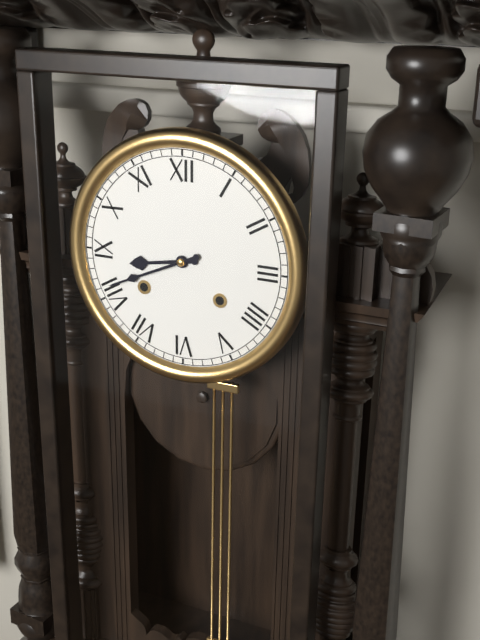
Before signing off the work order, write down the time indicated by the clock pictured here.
8:41
